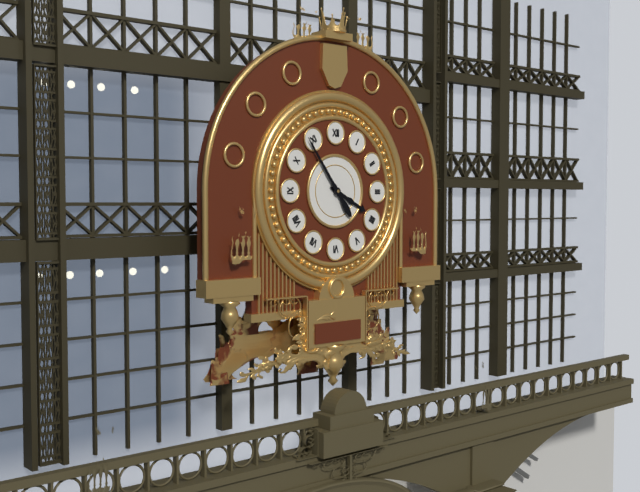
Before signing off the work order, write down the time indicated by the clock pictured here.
3:54
